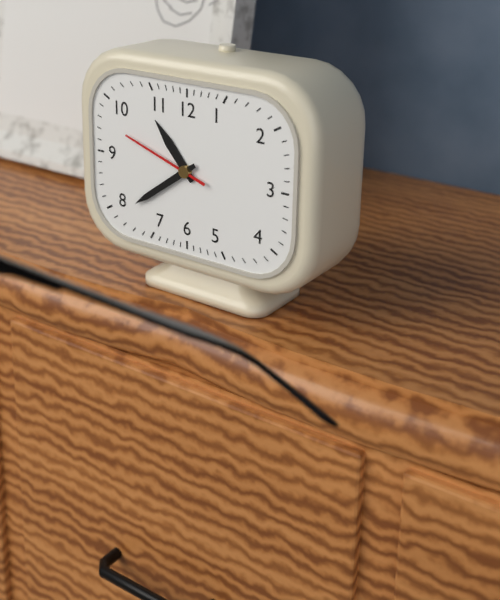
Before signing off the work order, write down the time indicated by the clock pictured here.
10:39:48
